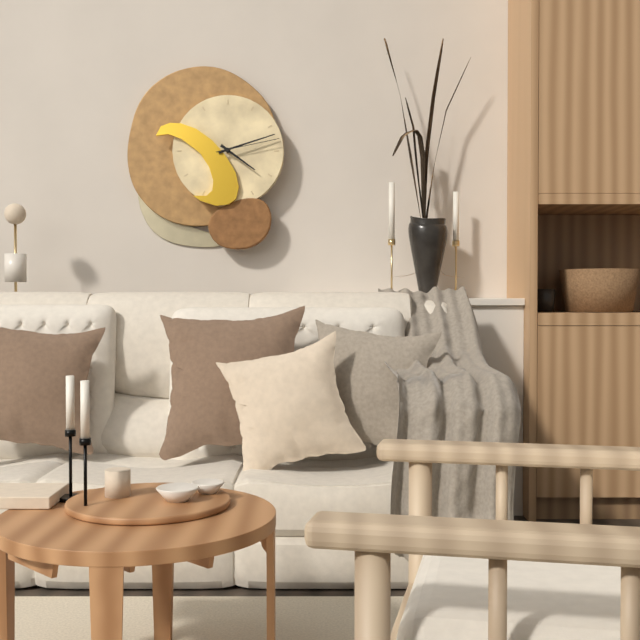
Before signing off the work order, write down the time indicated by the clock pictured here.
4:12:13
